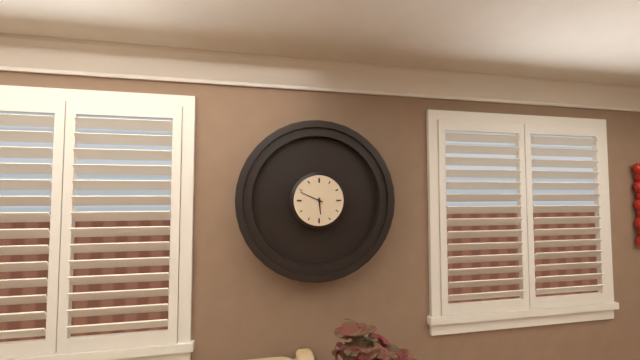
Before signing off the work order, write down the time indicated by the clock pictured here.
5:49
